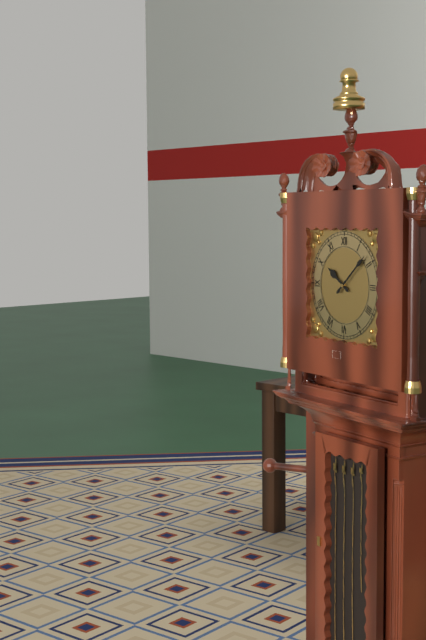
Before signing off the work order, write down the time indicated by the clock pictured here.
10:08
